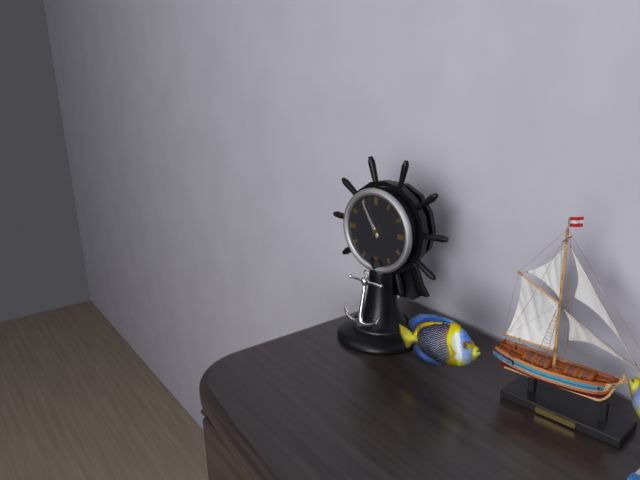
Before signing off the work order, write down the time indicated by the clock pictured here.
10:55
